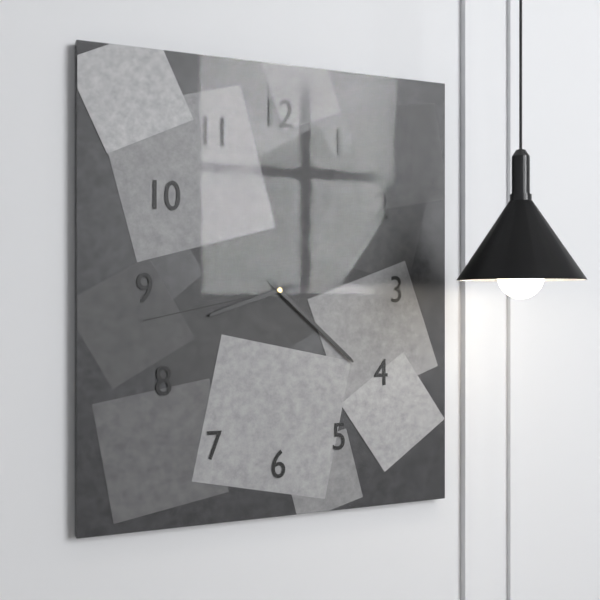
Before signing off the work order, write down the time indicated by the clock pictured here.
8:22:43
